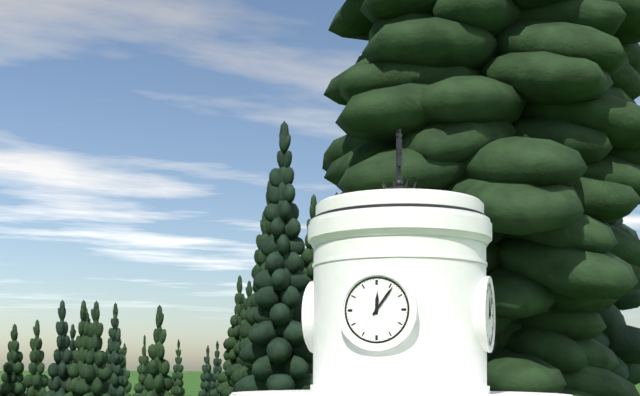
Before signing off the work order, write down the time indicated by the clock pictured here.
12:06
